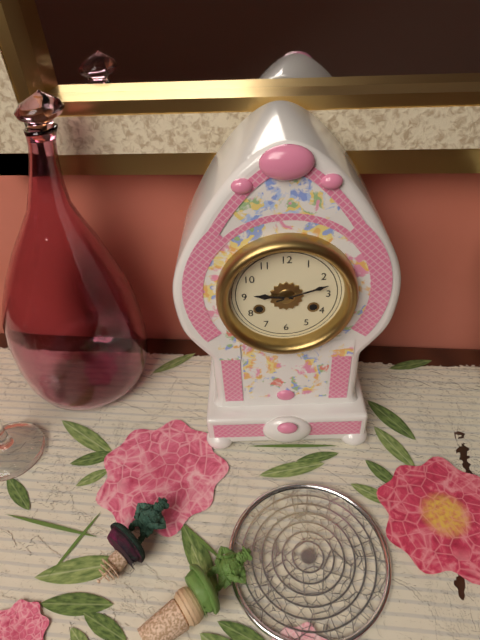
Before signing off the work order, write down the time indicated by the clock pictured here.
9:12
